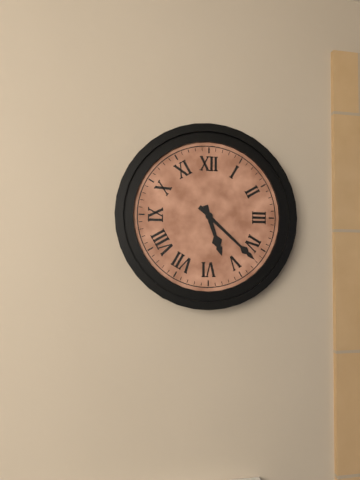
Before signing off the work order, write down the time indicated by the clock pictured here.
5:22
